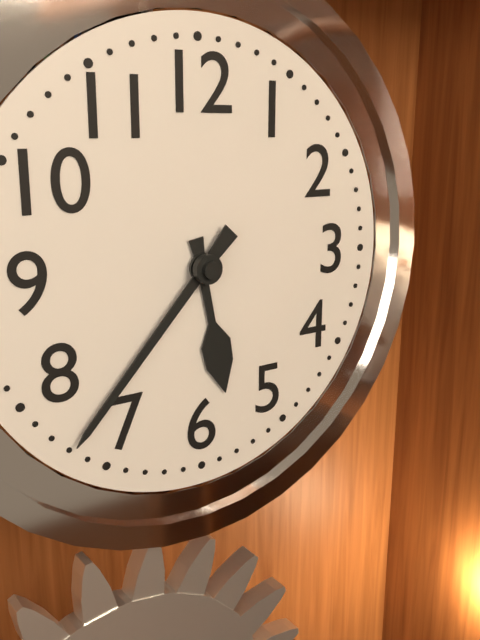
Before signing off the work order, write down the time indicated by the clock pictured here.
5:37
